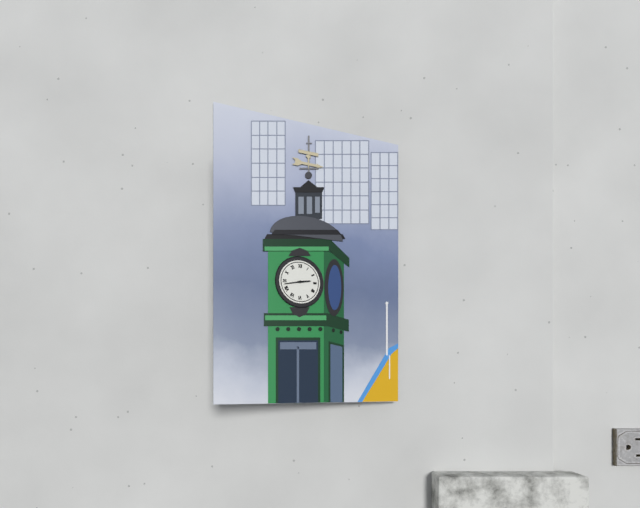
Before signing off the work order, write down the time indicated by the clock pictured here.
2:43
